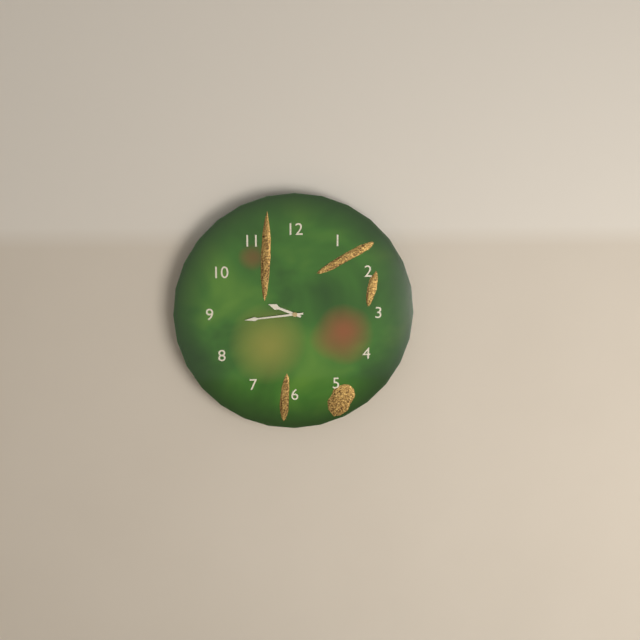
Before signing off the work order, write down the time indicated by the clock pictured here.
9:44
